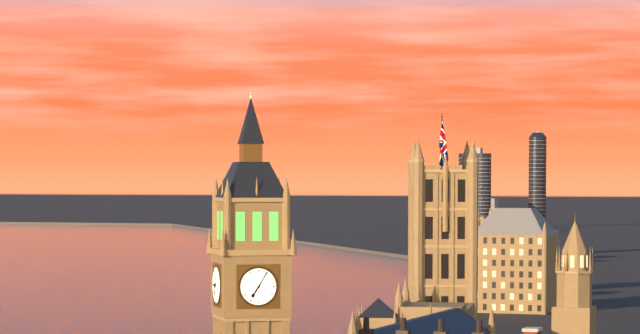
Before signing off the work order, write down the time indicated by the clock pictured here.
7:05
